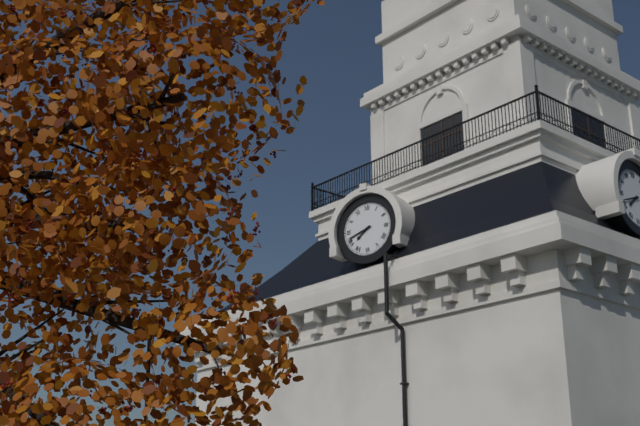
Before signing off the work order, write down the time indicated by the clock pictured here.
7:42
